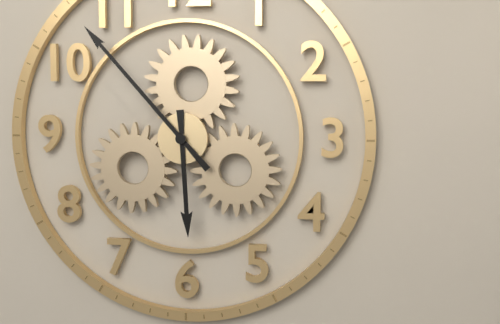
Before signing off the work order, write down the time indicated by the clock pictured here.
5:53
